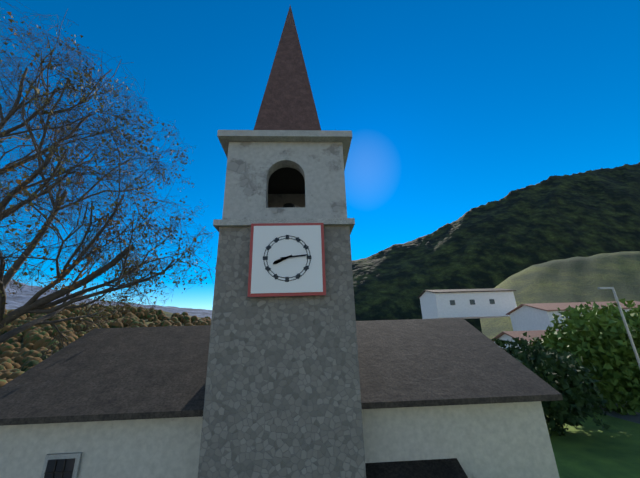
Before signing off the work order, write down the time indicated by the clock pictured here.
8:14
